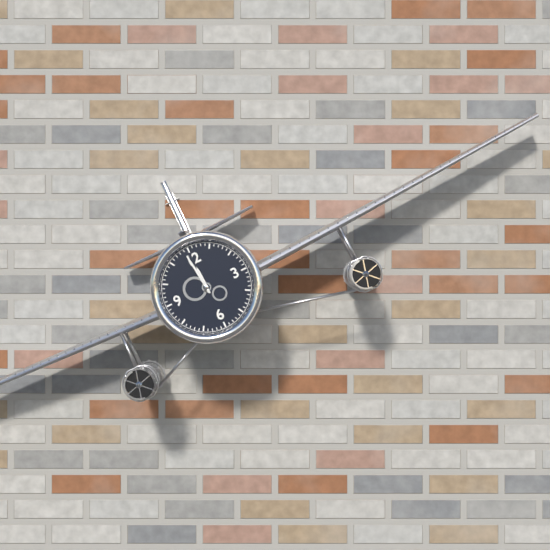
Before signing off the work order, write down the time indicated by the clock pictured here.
11:59
